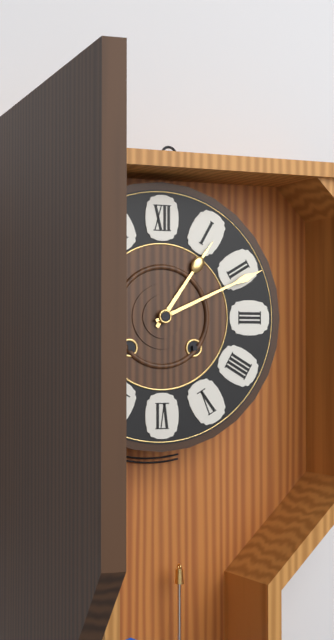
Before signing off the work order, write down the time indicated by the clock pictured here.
1:11
